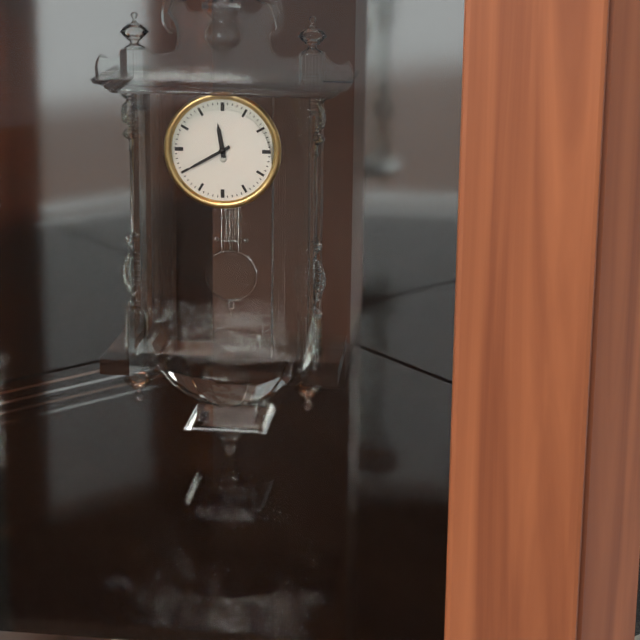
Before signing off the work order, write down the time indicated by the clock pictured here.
11:40
